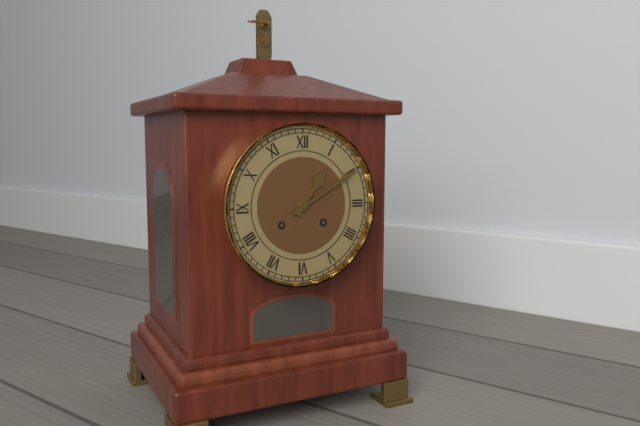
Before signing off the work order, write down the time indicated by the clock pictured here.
1:10
